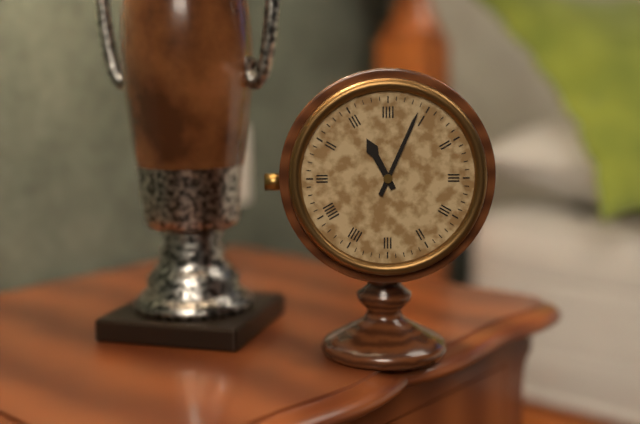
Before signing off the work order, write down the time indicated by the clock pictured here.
11:04
